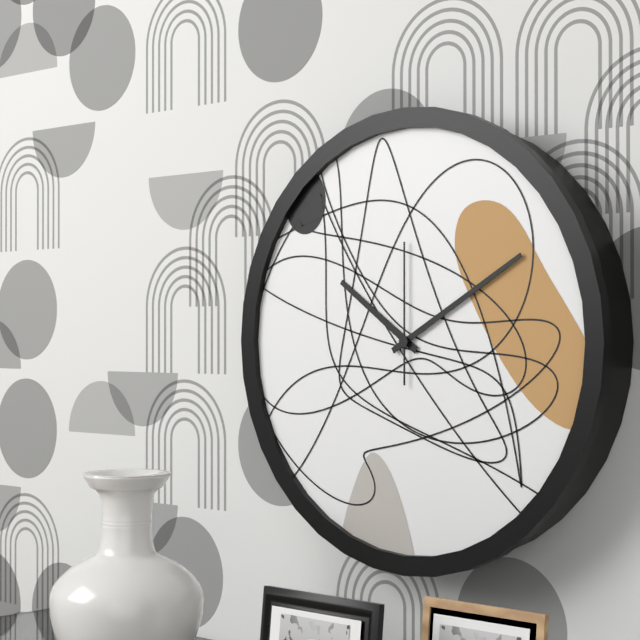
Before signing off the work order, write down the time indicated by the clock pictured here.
10:10:00
